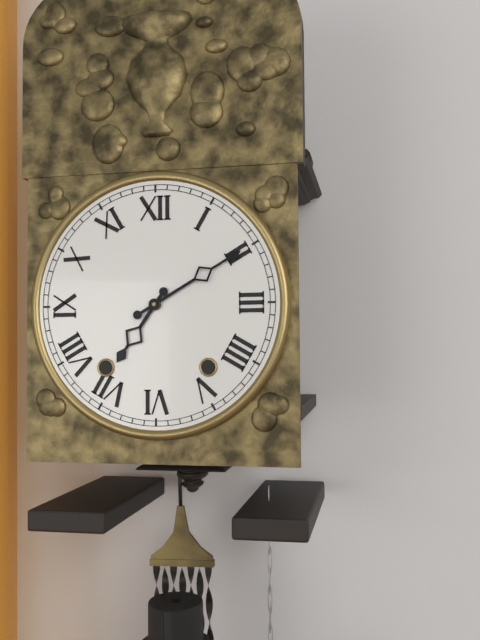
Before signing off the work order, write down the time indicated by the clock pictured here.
7:10
